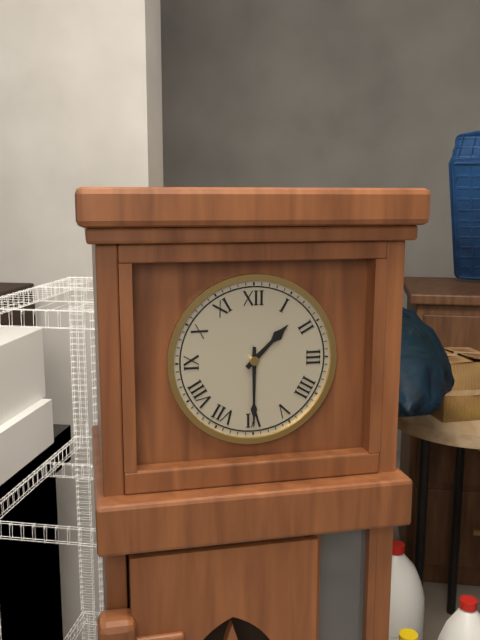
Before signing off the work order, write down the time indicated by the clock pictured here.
1:30
